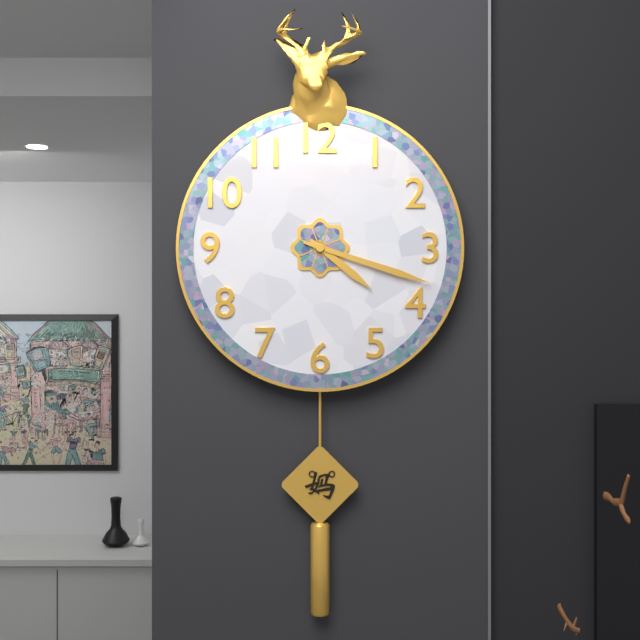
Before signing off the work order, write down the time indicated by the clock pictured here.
4:18
